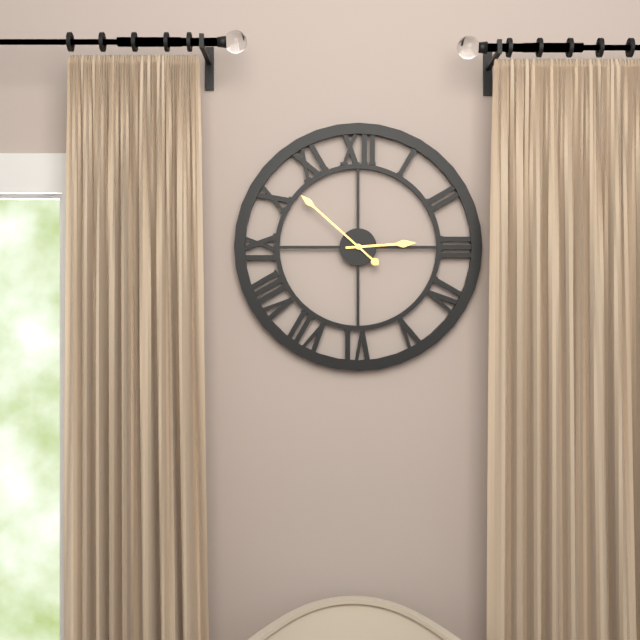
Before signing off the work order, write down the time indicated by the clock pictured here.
2:52
